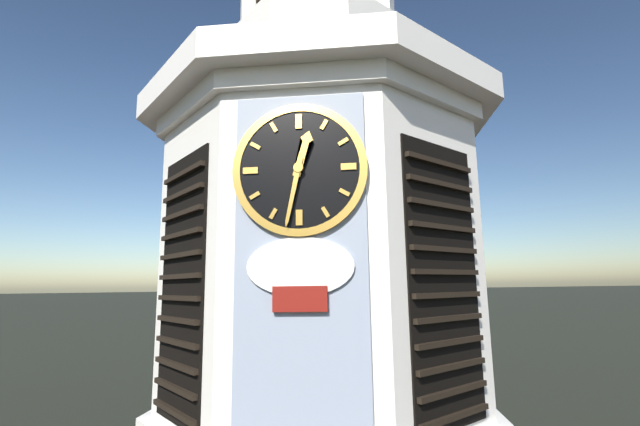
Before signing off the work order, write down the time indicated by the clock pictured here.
12:32
